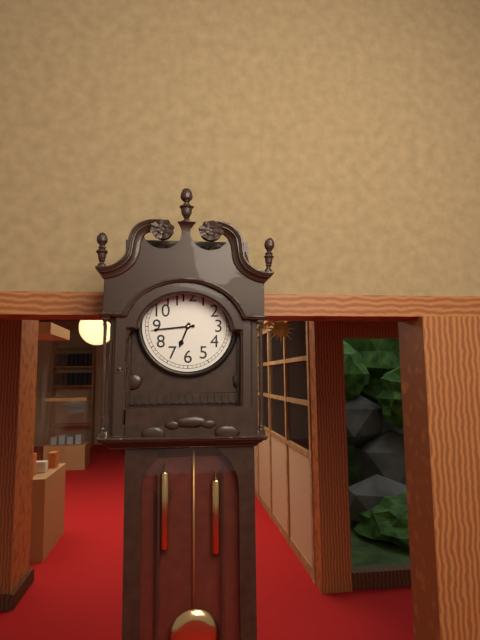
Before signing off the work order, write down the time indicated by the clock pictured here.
6:44
